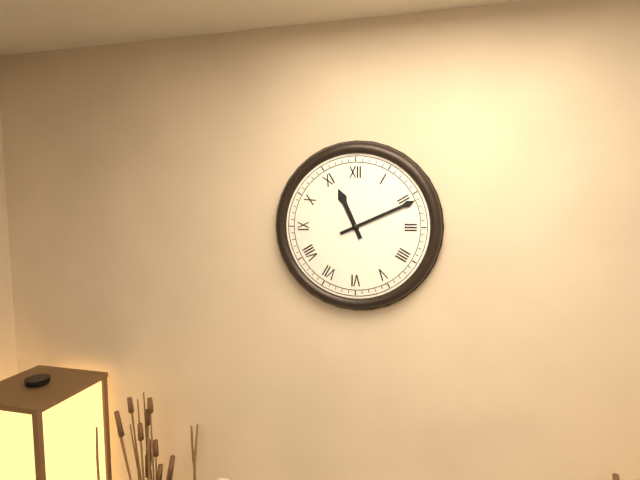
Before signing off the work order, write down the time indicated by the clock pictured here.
11:11
